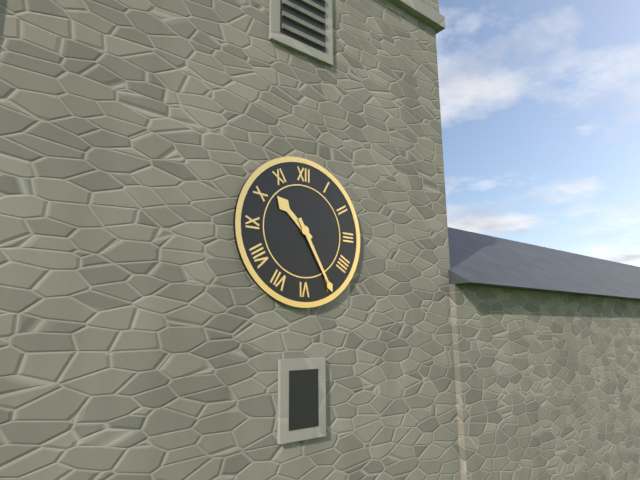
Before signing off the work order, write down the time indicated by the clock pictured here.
10:25
